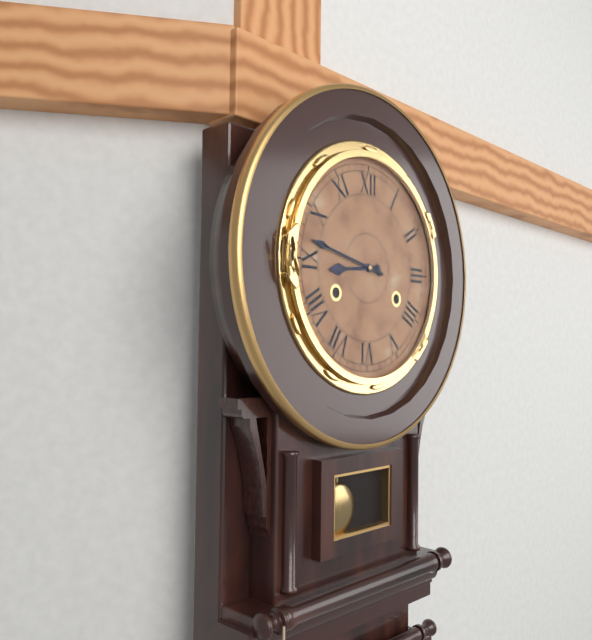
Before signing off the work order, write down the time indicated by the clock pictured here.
8:47
